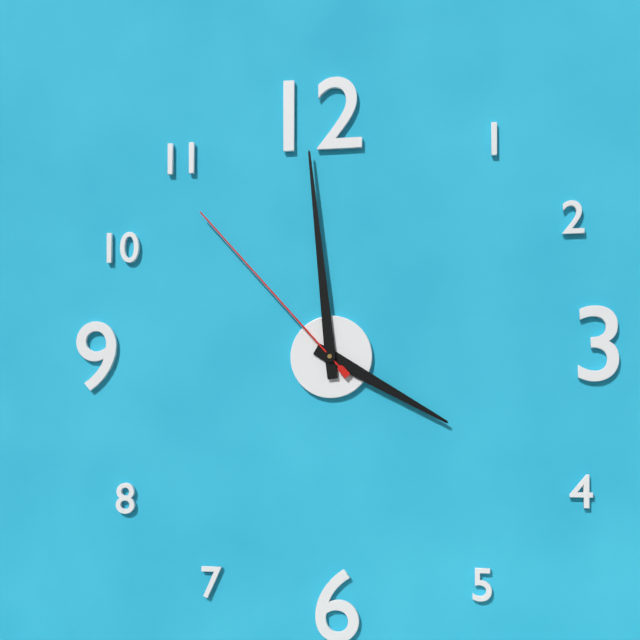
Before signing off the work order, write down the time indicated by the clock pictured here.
3:59:53
